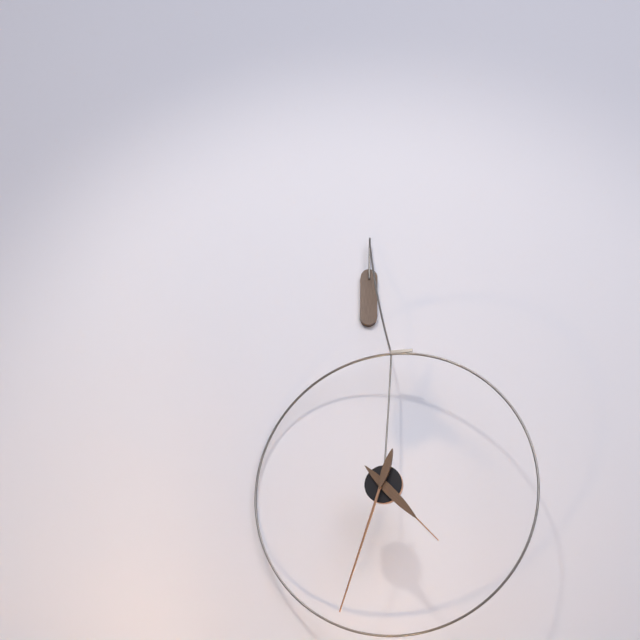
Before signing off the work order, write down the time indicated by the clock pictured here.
4:33
